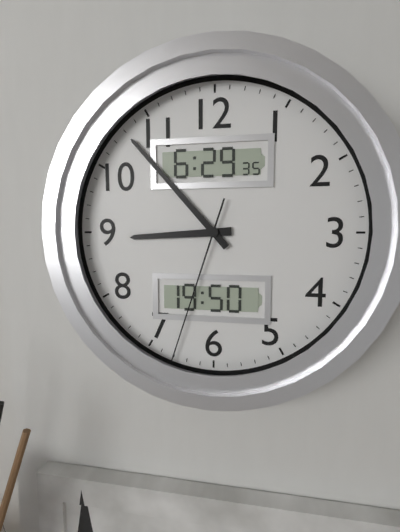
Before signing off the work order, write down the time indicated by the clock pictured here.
8:53:33
